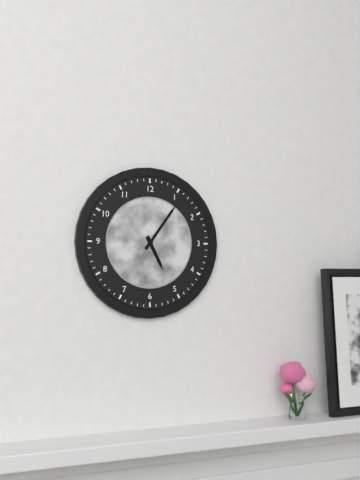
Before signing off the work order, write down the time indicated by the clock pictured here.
5:06
